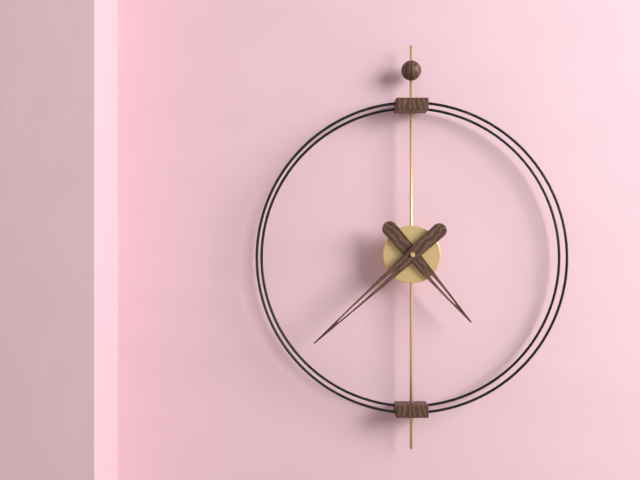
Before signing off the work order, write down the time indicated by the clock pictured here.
4:38
